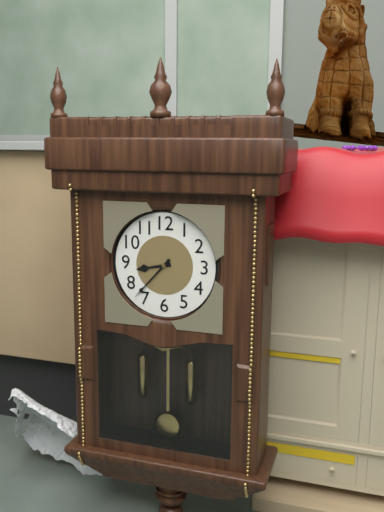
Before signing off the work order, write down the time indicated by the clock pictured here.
8:37
